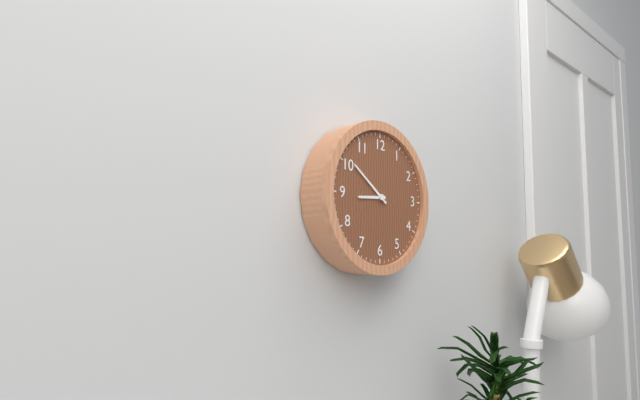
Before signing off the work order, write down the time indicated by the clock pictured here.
8:51
